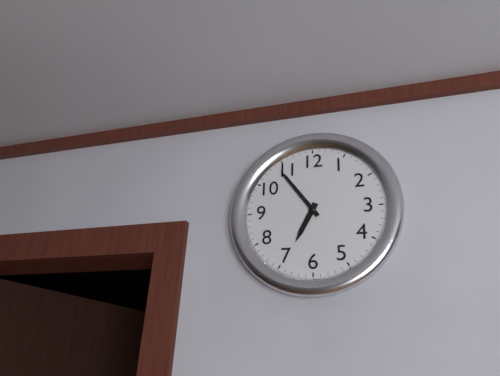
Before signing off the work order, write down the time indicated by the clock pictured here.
6:54
